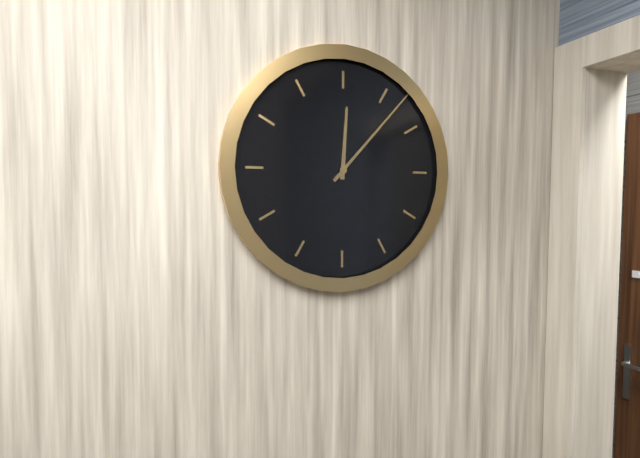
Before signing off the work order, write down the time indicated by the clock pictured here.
12:07
